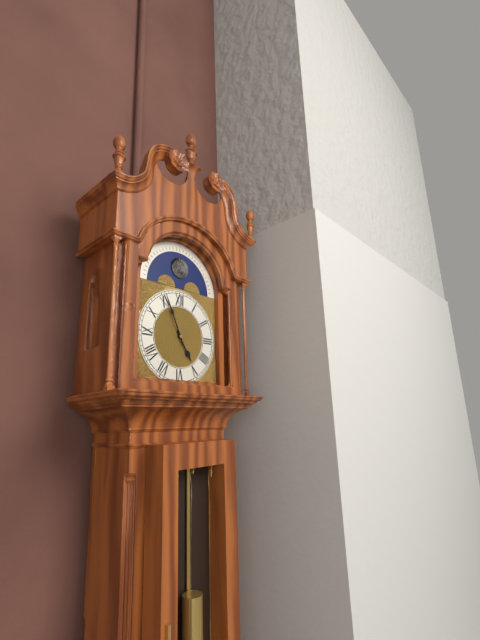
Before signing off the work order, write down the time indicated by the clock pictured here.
4:56
